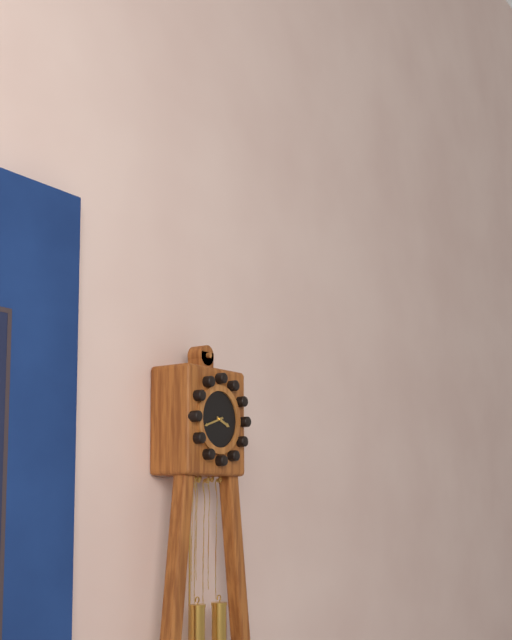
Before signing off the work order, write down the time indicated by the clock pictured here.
3:42
